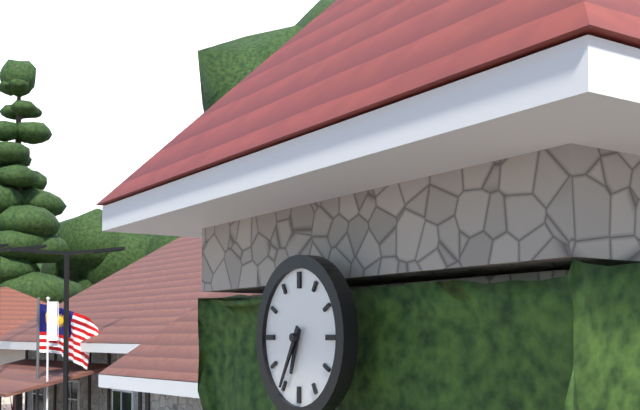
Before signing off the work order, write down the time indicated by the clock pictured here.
6:35
